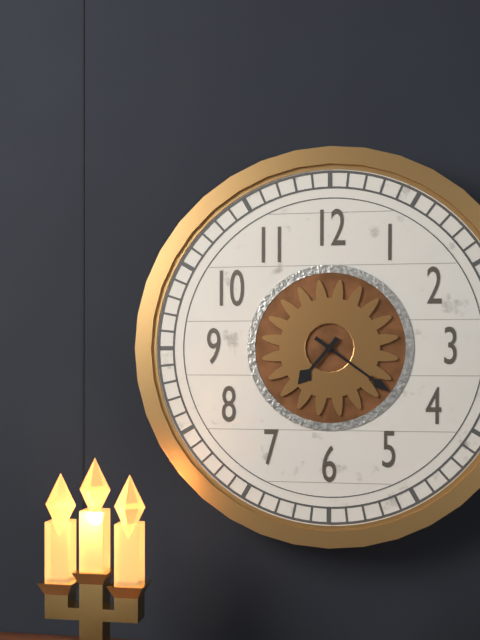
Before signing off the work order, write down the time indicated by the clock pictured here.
7:21
